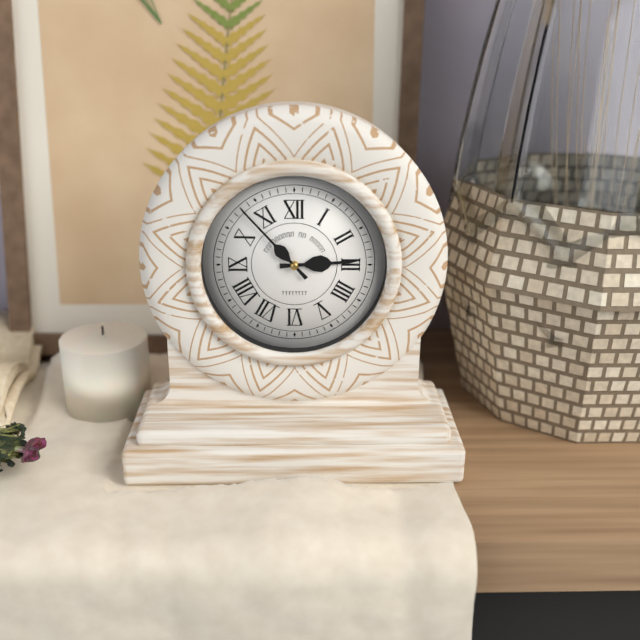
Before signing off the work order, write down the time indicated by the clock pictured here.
2:53
